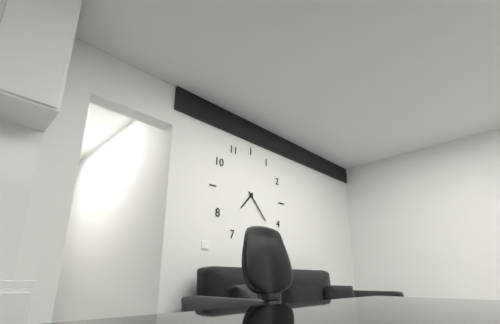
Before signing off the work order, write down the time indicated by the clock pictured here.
7:23
